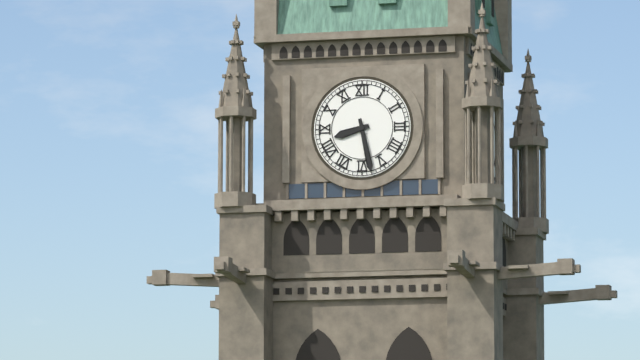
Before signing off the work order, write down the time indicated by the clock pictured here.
8:28
